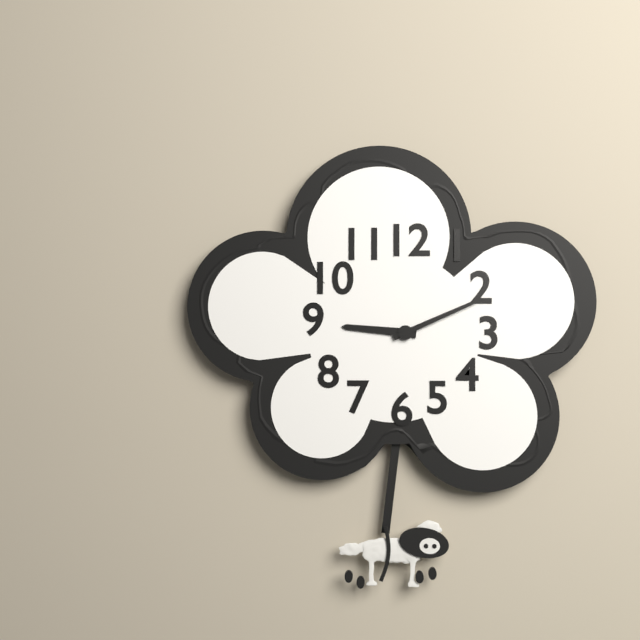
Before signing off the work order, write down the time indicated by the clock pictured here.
9:11
